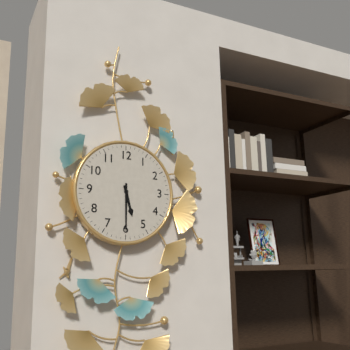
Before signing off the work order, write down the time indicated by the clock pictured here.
5:30
